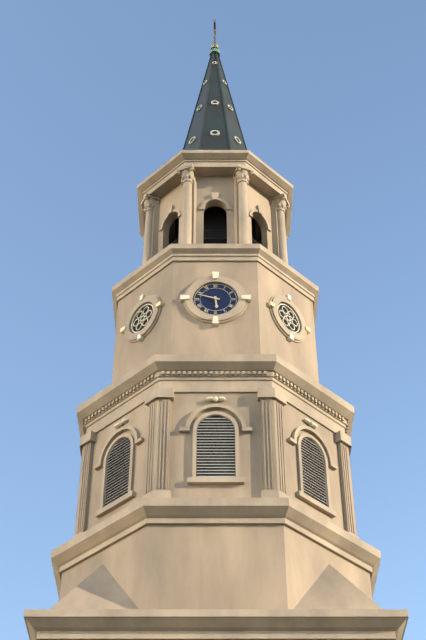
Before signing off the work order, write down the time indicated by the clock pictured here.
5:48
